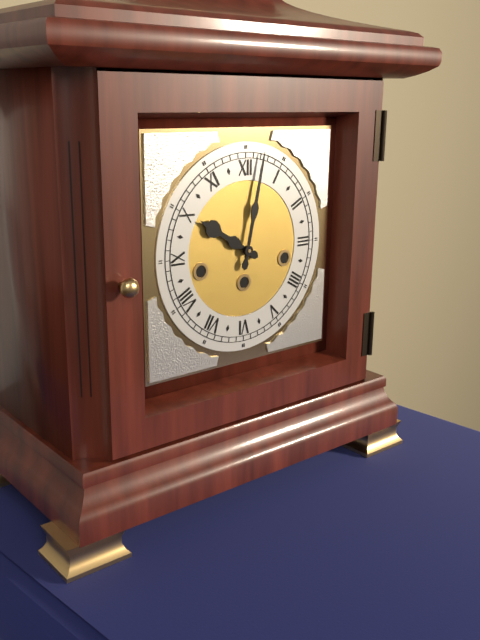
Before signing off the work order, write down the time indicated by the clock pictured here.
10:02
